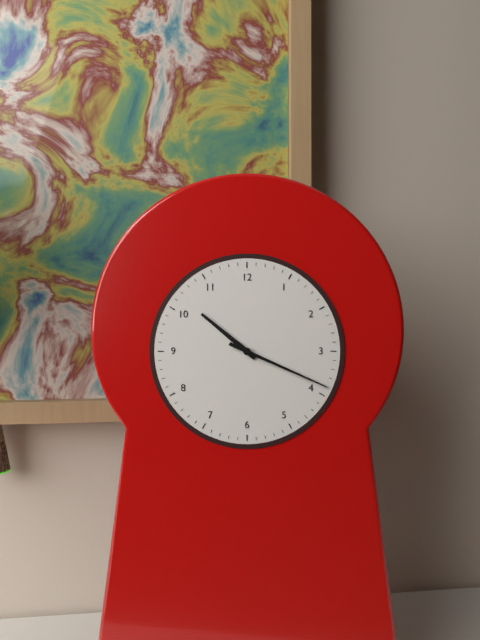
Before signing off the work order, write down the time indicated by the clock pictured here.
10:19
